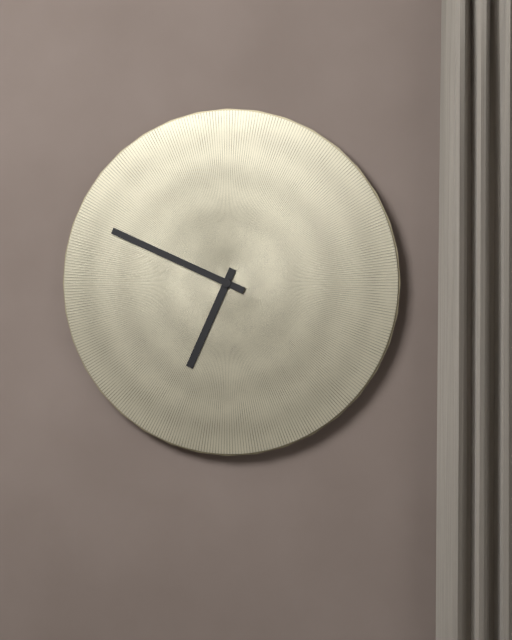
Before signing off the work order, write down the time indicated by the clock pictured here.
6:49
